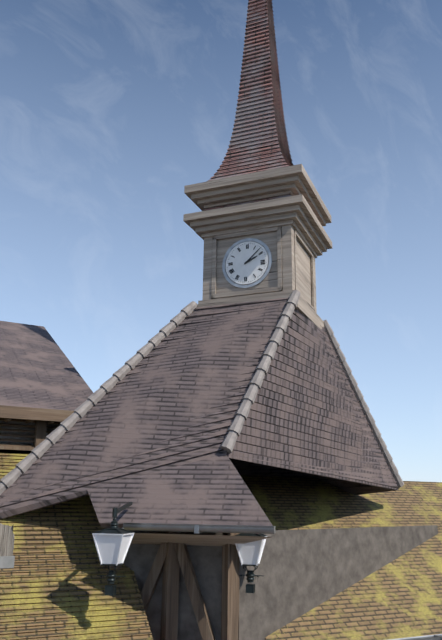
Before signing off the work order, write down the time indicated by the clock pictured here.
2:08
